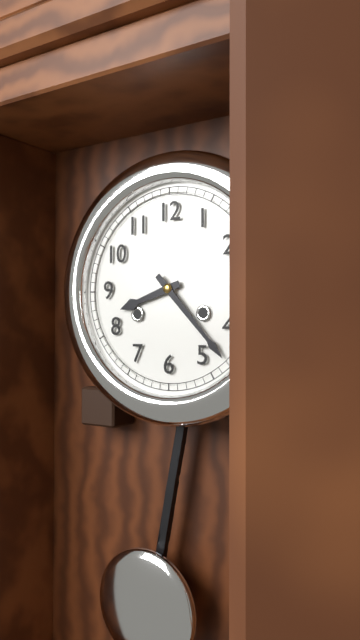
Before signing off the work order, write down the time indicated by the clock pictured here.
8:23
